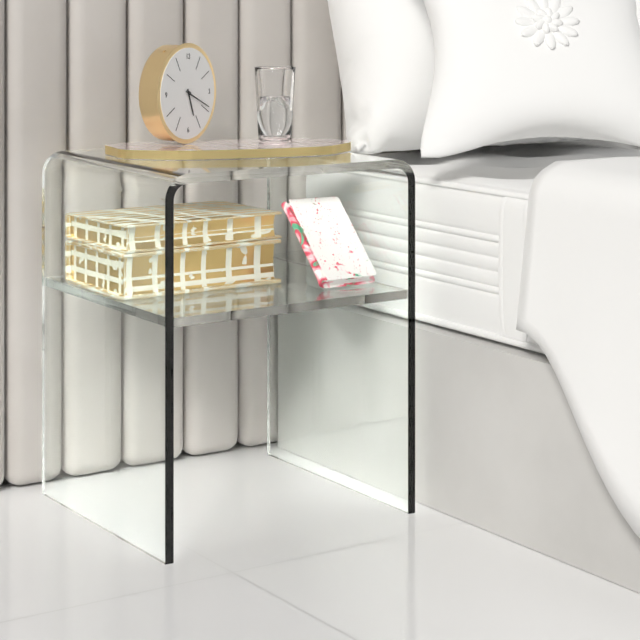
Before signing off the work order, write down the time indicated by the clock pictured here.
5:19
